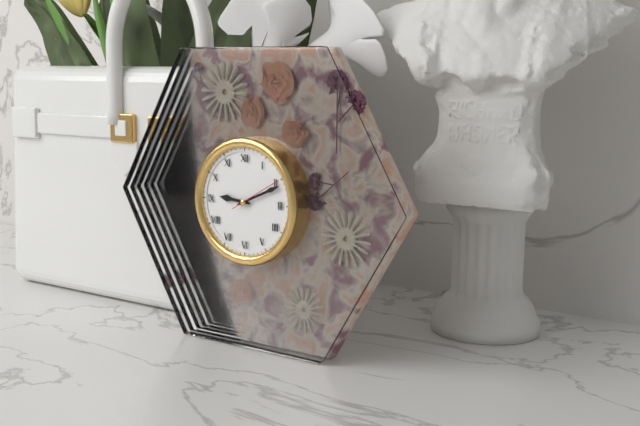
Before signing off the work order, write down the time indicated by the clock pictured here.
9:11
